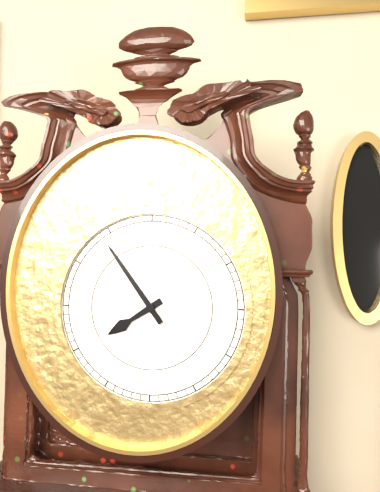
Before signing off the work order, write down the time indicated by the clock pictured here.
7:54
